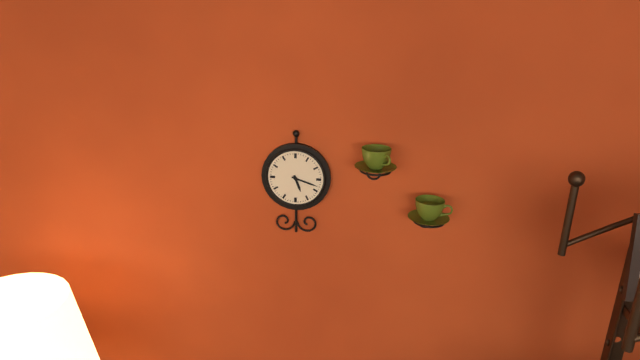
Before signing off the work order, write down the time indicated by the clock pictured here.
5:18
